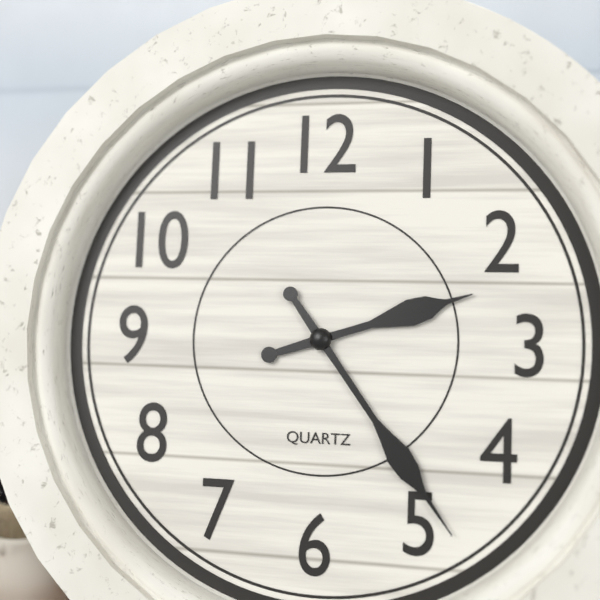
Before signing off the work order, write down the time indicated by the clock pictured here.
2:24
